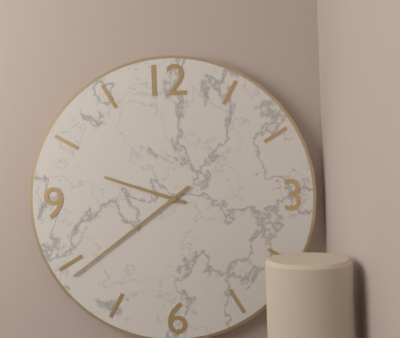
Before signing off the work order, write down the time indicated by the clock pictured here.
9:39
